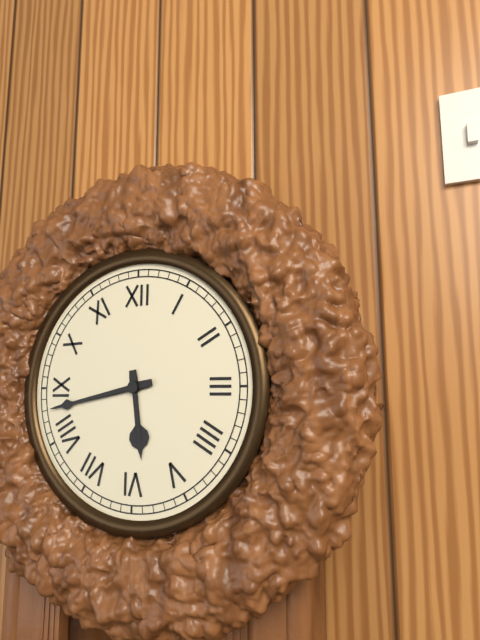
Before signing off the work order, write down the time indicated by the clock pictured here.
5:43
